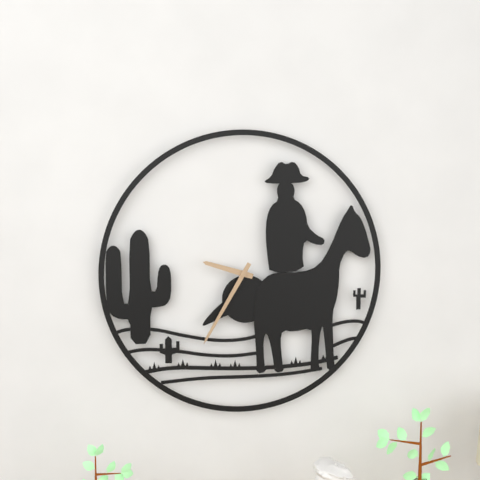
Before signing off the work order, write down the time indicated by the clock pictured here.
9:35
